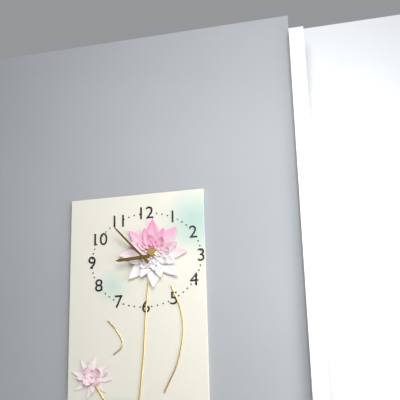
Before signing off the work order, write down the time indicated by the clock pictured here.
8:53
